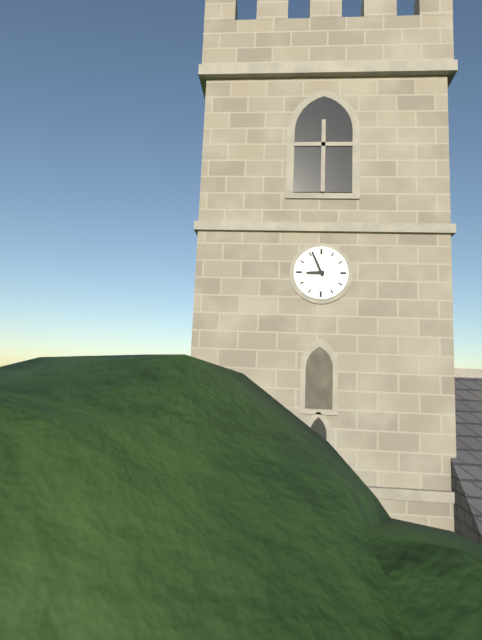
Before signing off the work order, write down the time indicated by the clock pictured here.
8:56
